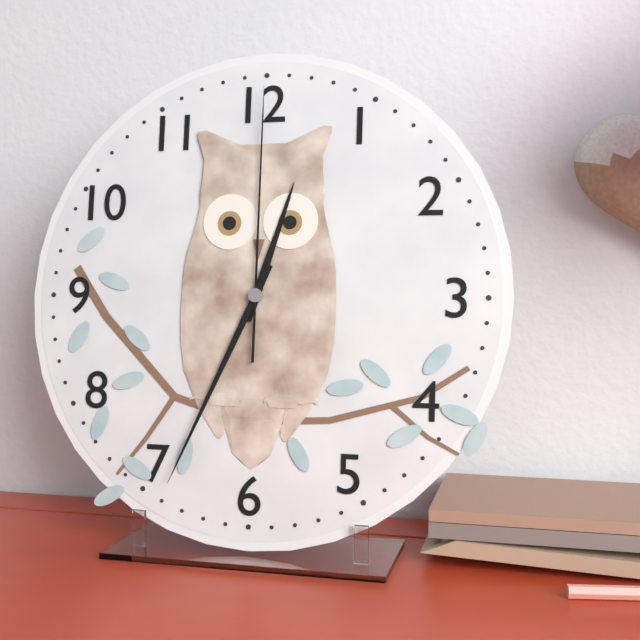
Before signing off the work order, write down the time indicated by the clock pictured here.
12:34:00
